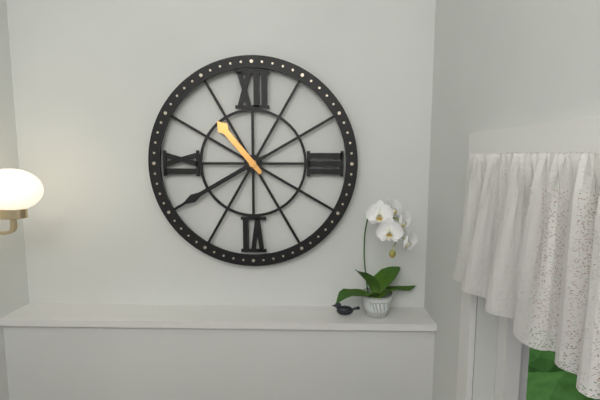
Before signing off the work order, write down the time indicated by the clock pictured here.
10:40
